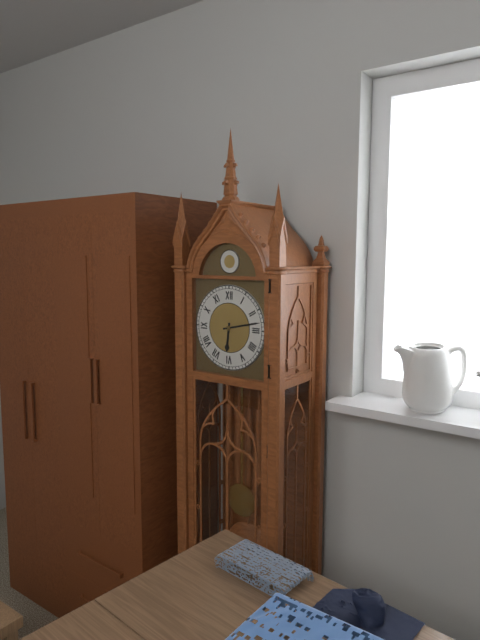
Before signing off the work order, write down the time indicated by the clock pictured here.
6:13
